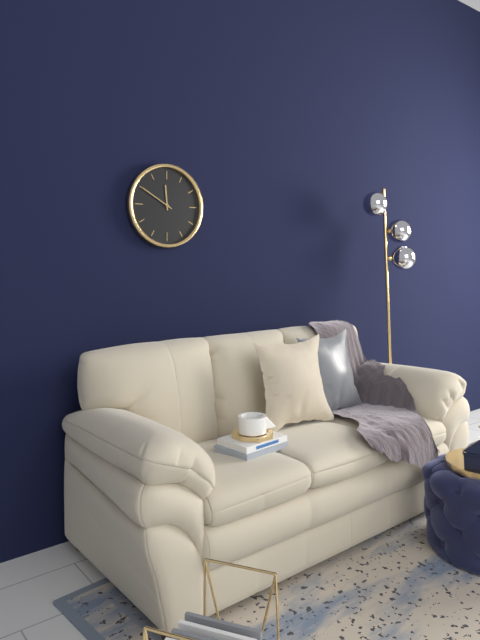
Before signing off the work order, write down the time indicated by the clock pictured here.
11:50
